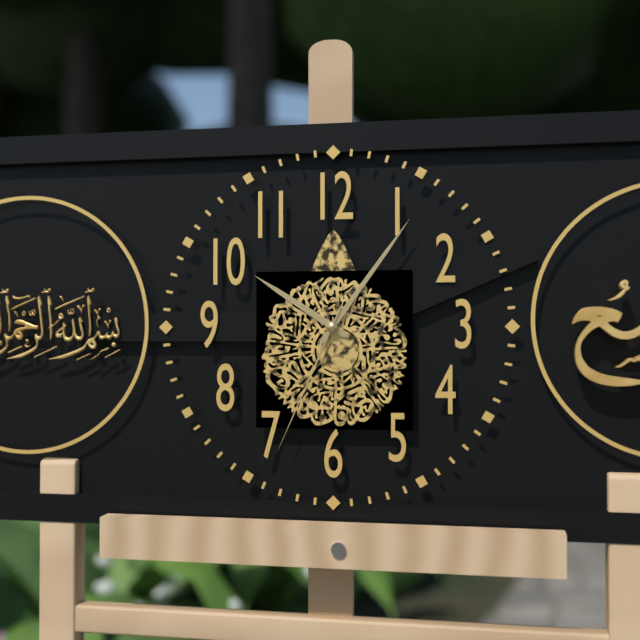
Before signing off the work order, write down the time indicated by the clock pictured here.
10:06:34
